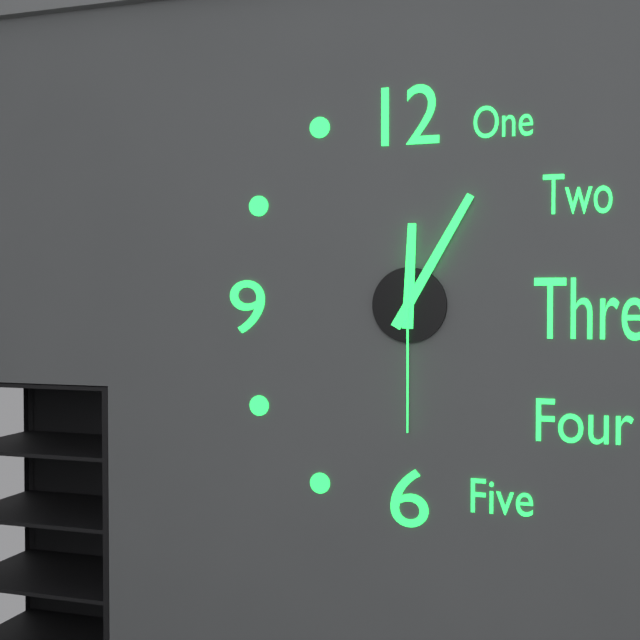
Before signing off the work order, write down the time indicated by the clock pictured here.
12:05:30
